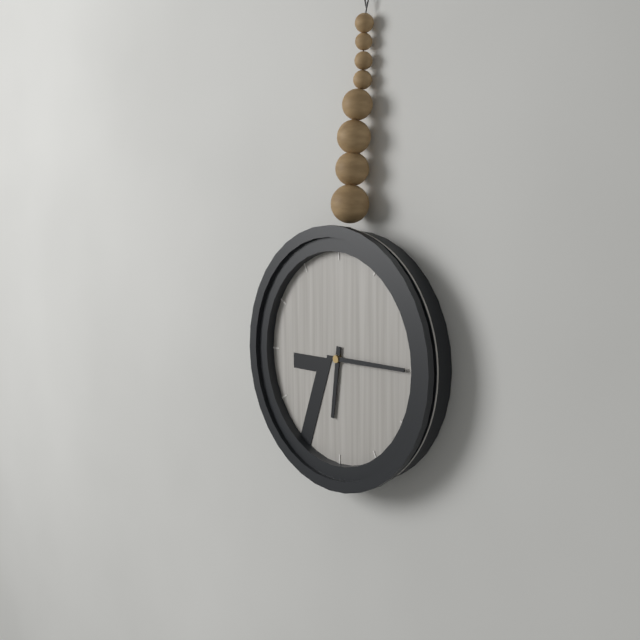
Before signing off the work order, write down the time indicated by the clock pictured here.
6:15
